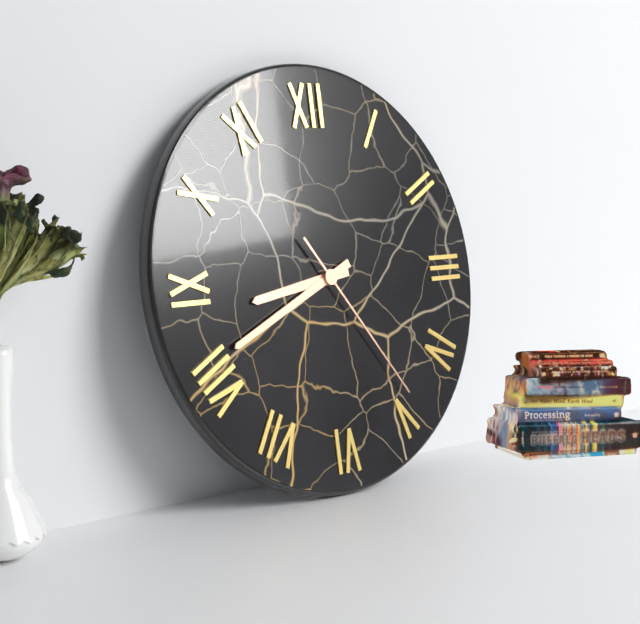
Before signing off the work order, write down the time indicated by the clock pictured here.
8:41:24
